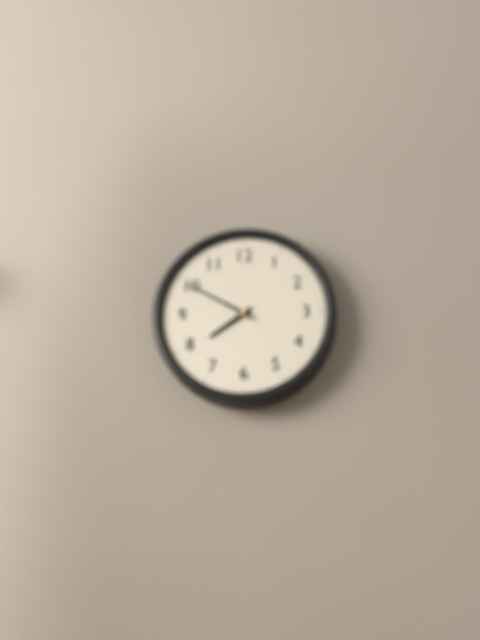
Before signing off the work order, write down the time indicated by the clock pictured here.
7:50
